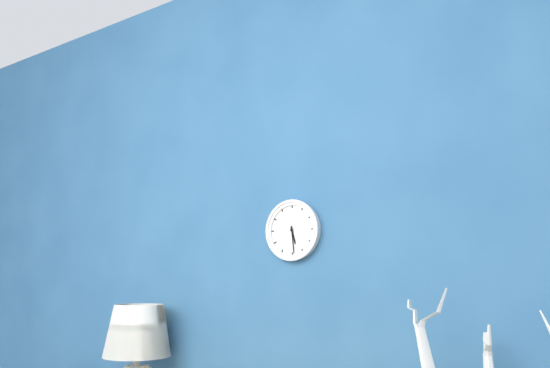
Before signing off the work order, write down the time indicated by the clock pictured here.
5:29
